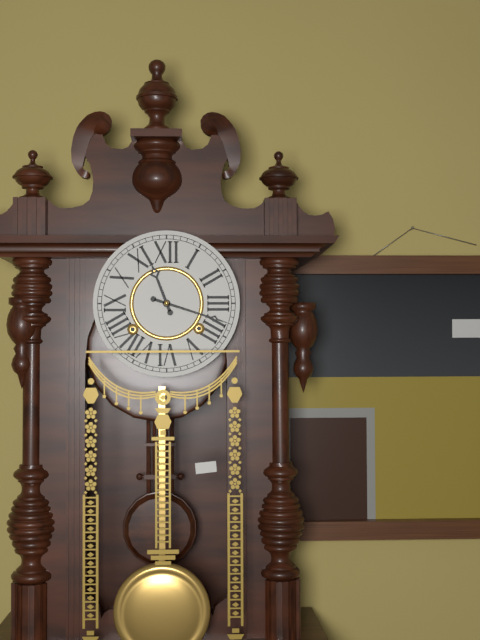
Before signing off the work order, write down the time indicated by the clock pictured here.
11:18
